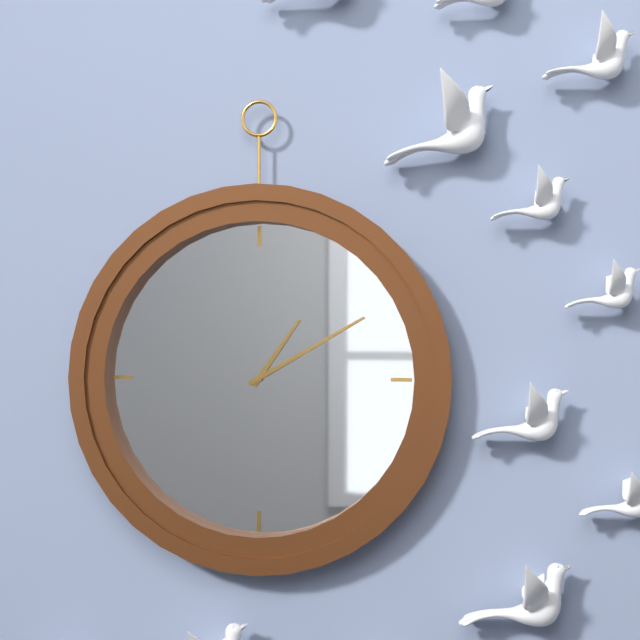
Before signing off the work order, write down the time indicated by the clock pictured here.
1:10
